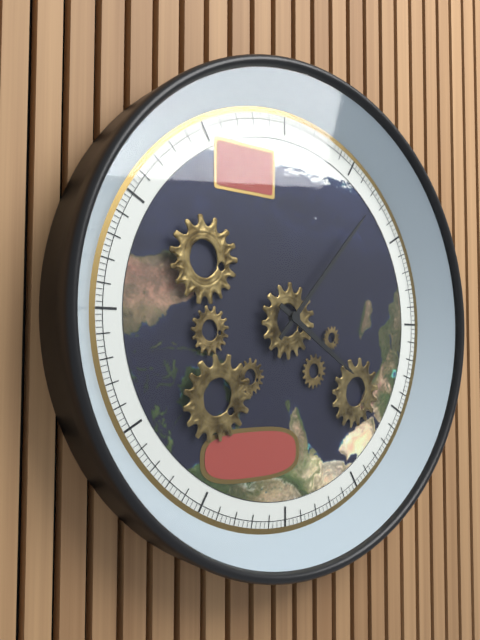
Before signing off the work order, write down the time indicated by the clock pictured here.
4:07
